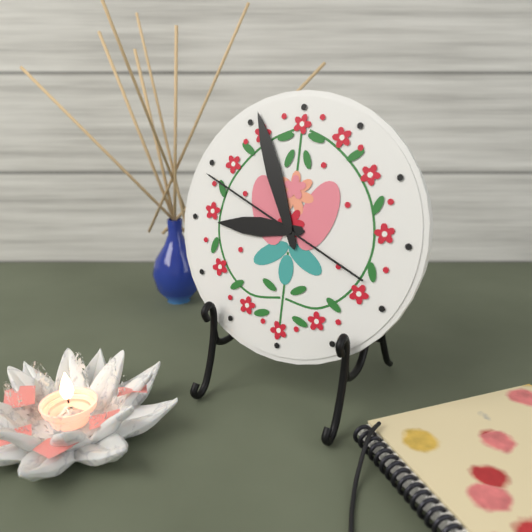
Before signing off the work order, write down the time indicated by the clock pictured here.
8:56:49
